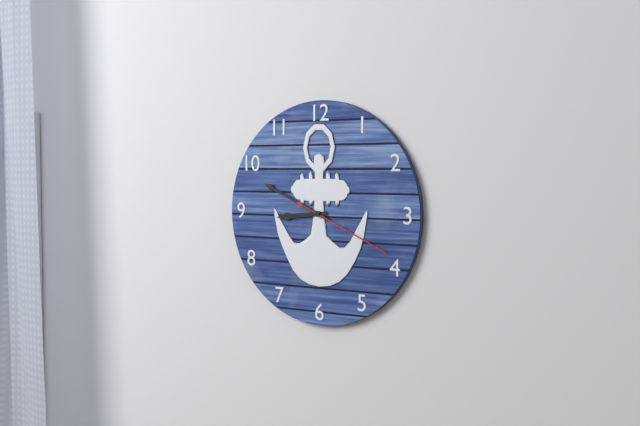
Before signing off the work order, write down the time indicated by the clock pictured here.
8:49:19
